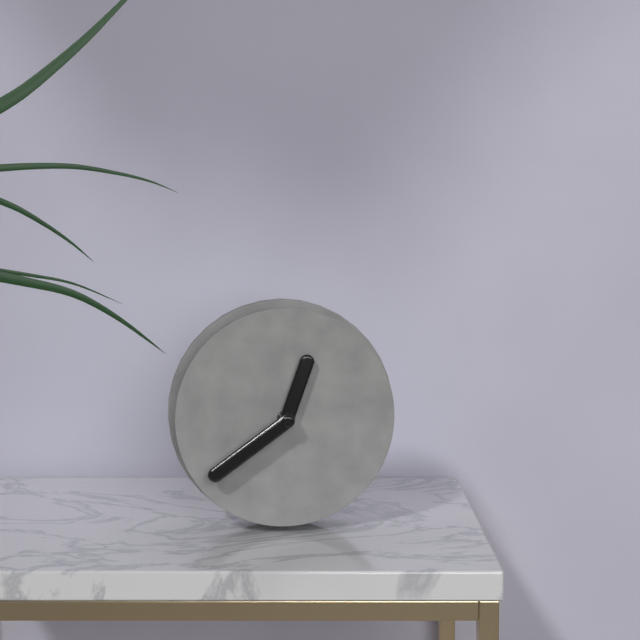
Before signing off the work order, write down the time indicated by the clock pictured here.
12:39
